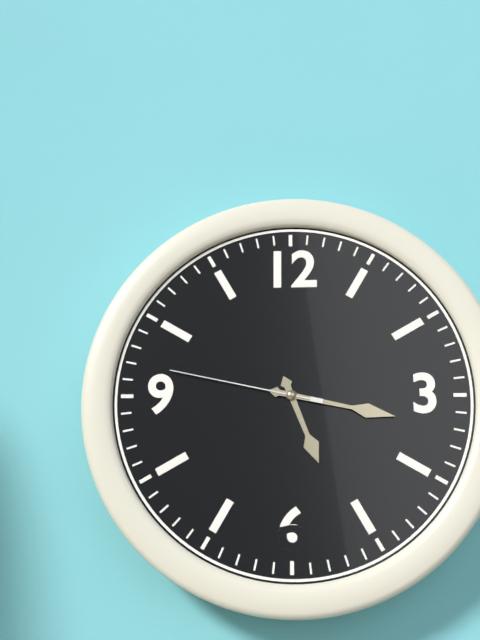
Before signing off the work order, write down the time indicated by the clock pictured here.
5:17:47
